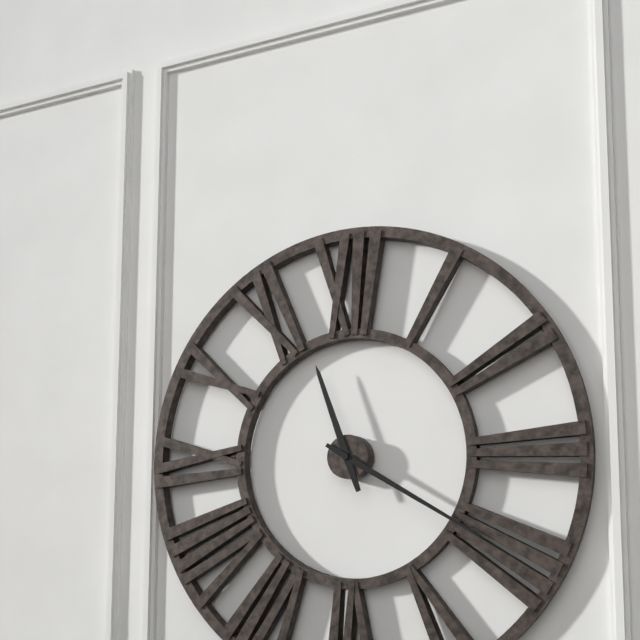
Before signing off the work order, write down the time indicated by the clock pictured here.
11:20
